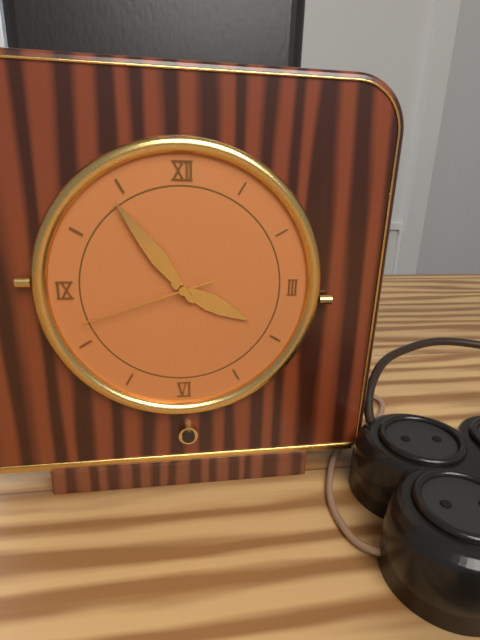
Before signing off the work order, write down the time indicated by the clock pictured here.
3:54:42
